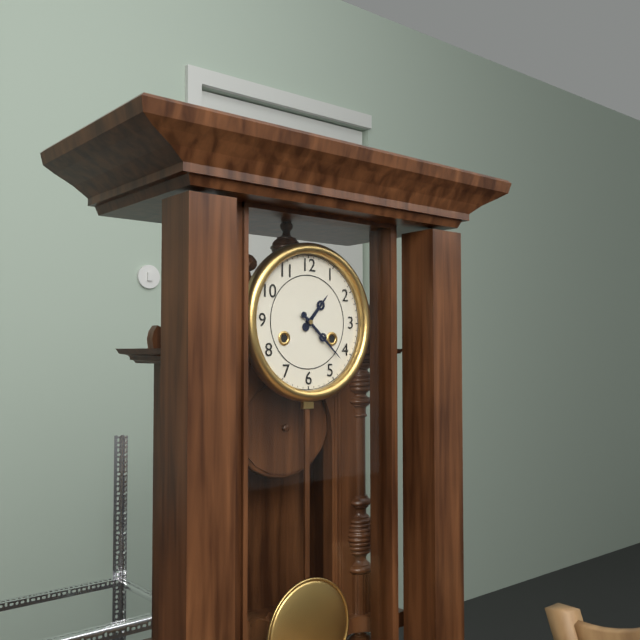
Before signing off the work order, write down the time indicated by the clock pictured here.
1:22
